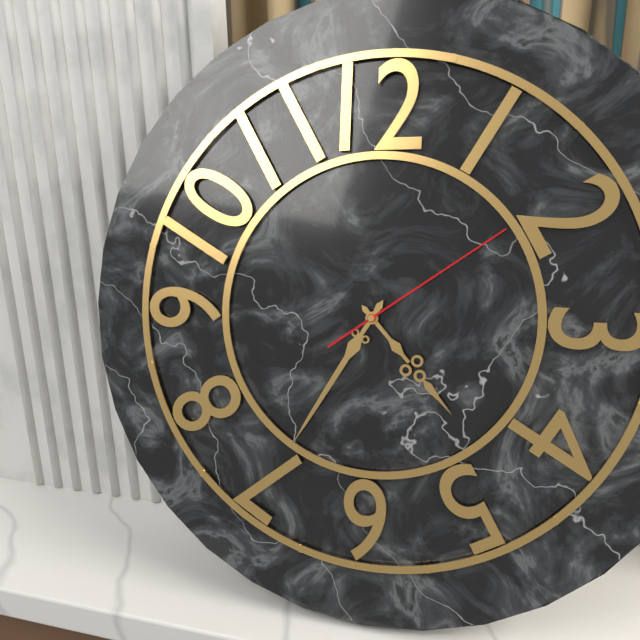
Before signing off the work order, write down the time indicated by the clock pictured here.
4:35:09
